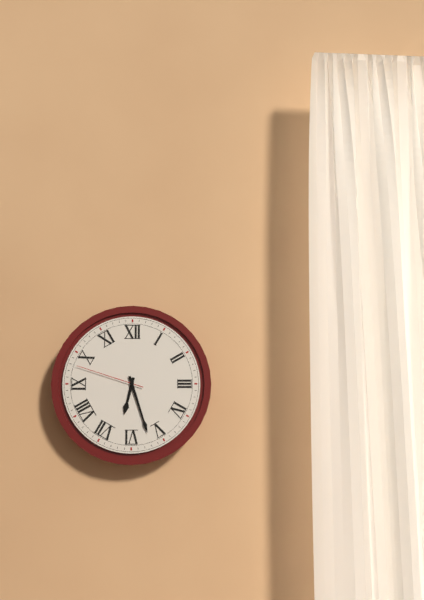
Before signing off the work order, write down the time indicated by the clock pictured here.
6:27:48
